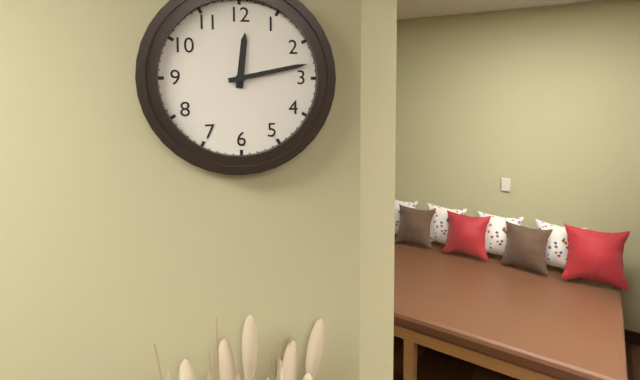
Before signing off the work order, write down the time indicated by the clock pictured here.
12:13
